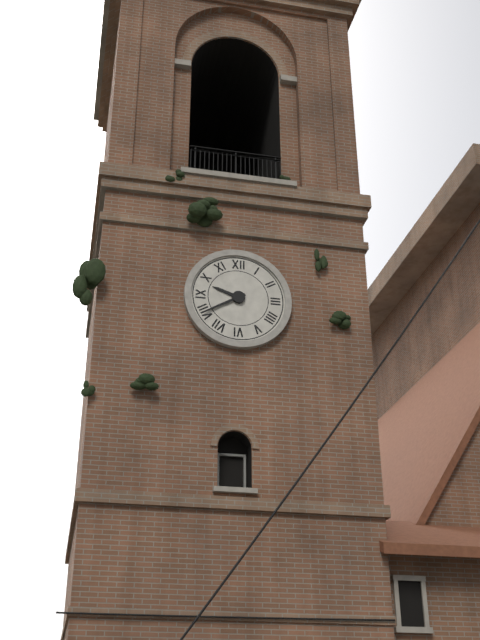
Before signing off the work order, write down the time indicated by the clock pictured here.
9:40
